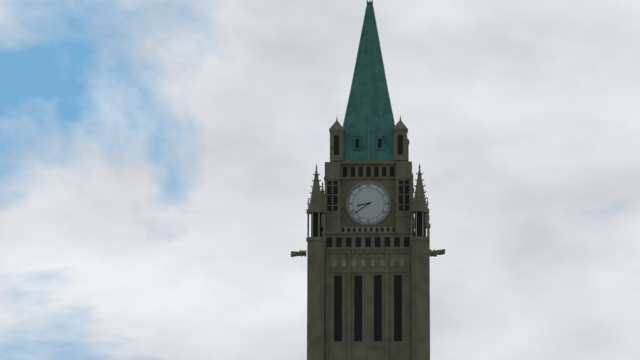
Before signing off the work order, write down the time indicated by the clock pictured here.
8:39
